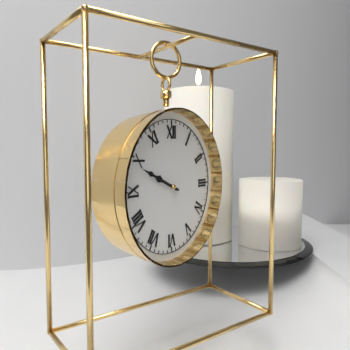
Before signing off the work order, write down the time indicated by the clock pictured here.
9:49
